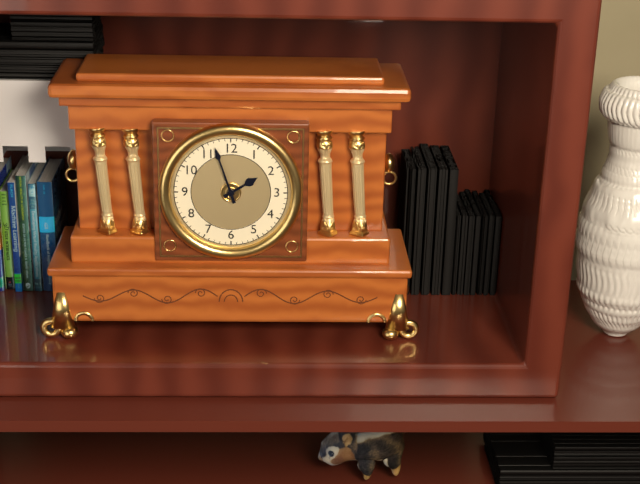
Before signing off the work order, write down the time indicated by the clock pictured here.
1:57
